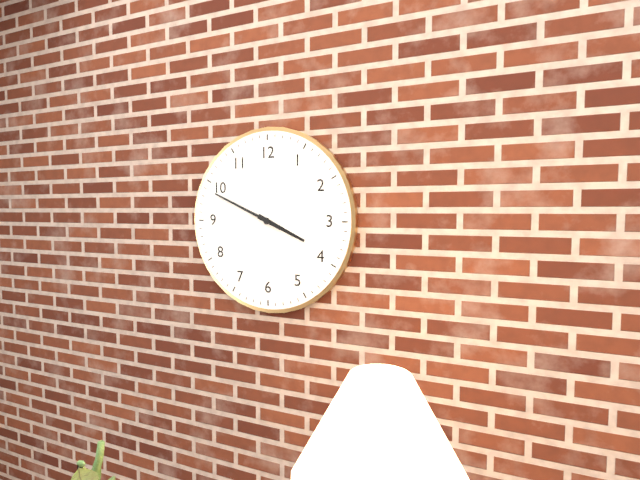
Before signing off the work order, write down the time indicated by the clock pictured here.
3:49
